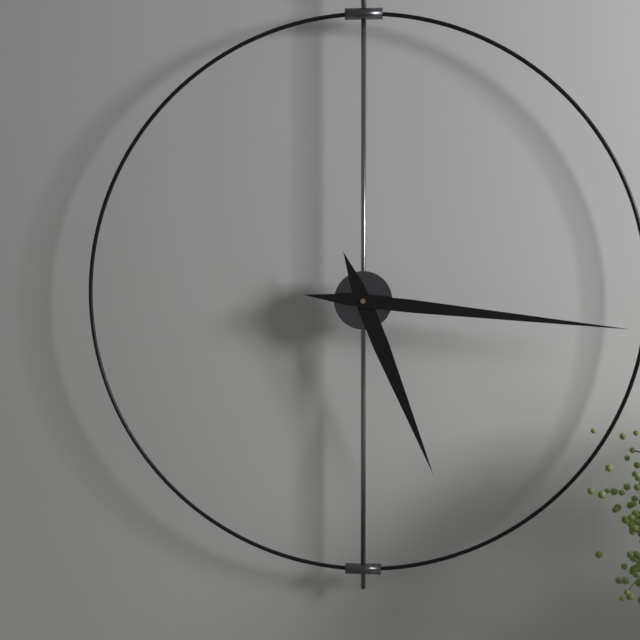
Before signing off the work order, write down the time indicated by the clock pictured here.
5:16
